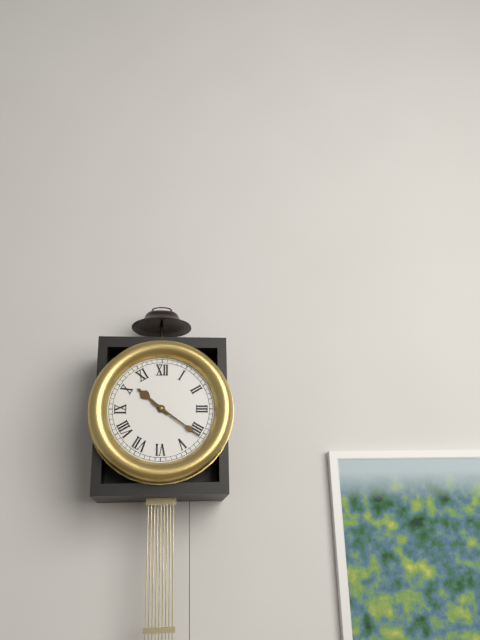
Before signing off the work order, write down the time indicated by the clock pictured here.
10:21
